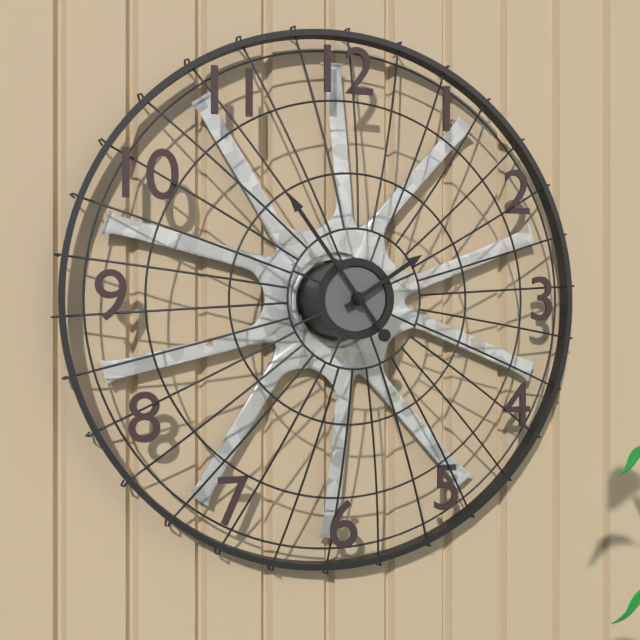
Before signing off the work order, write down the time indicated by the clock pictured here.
1:54
